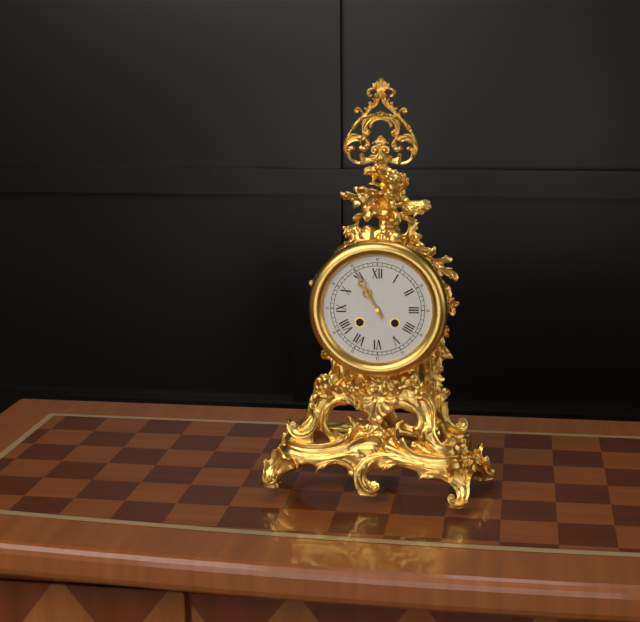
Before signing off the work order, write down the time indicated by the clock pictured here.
10:55
